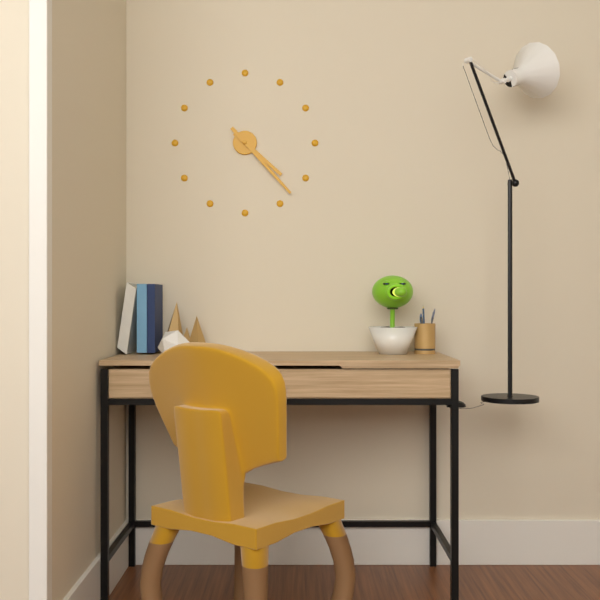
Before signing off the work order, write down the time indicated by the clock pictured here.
4:23
